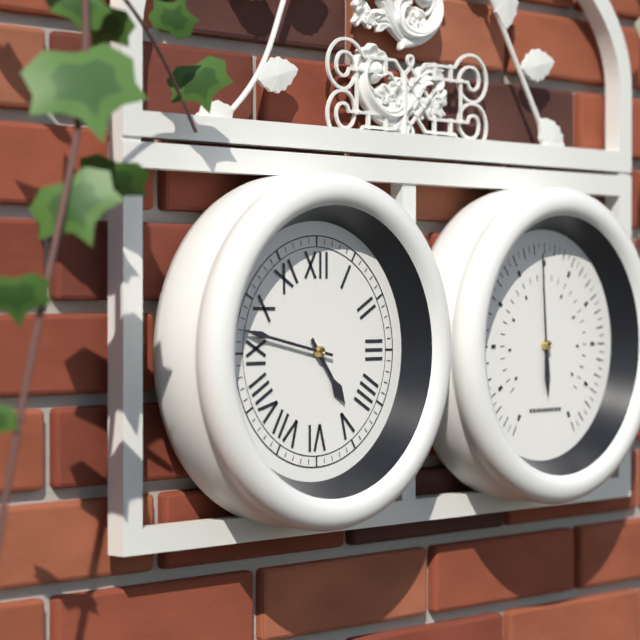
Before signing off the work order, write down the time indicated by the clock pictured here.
4:47
